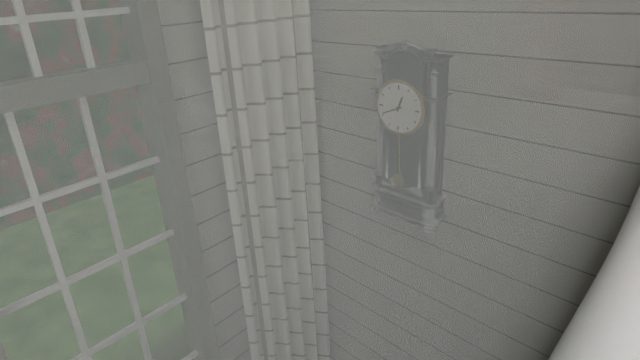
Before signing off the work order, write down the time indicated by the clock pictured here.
12:41
